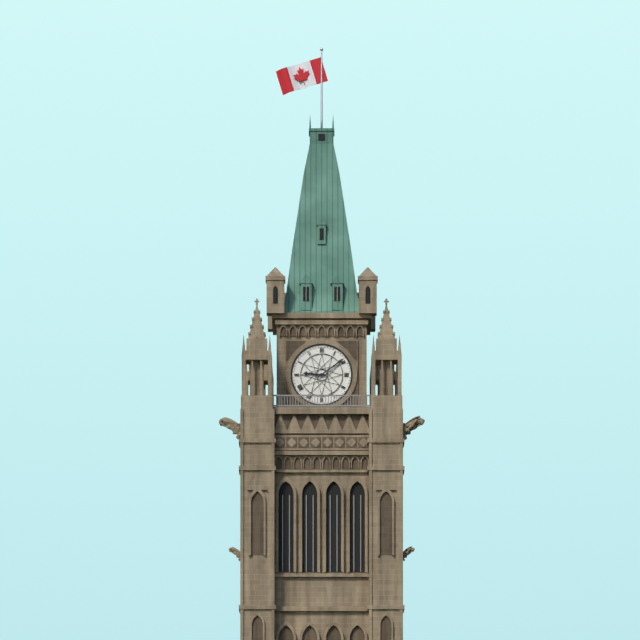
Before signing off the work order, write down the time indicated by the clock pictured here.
9:09
